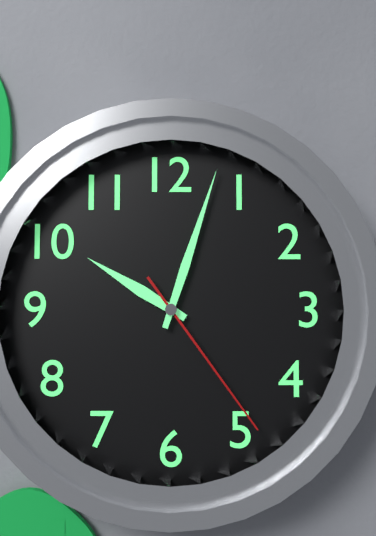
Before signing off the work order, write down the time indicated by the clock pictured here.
10:03:24
